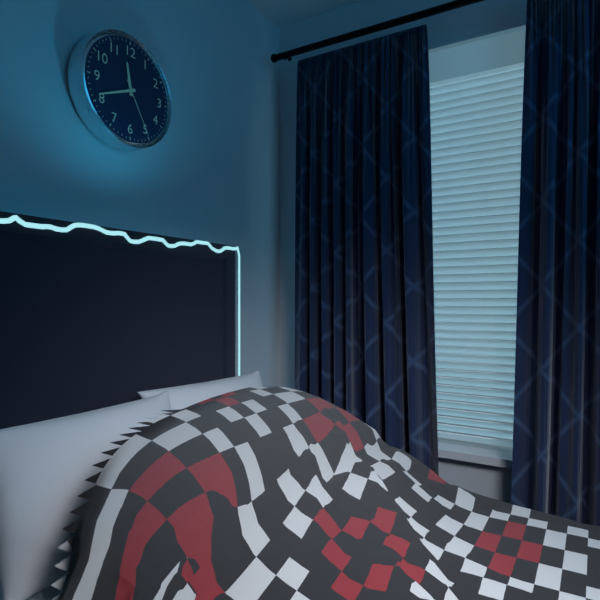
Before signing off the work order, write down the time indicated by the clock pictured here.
11:41:25
